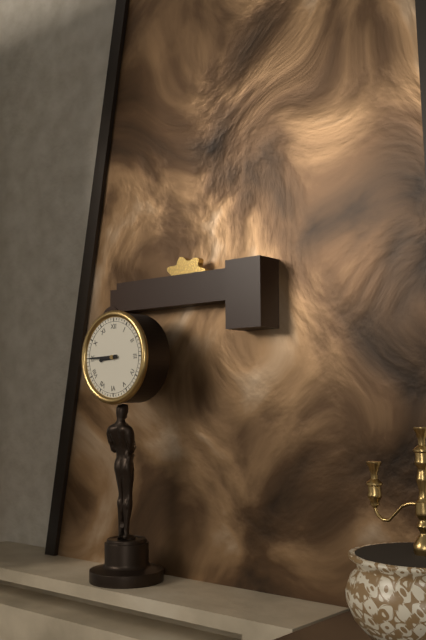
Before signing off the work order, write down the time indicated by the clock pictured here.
8:45
